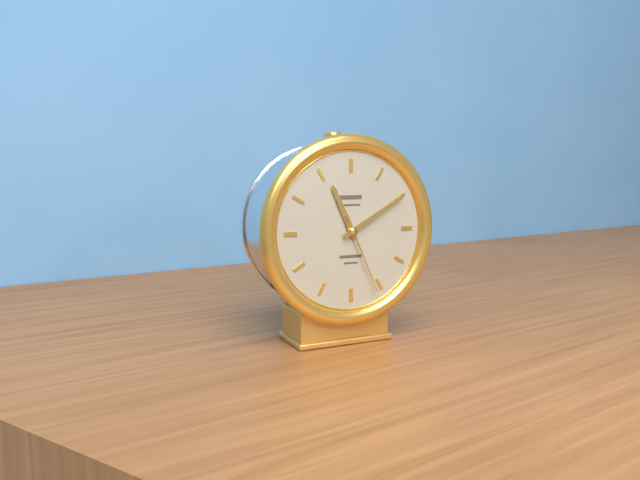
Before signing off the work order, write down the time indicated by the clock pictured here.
11:10:26
